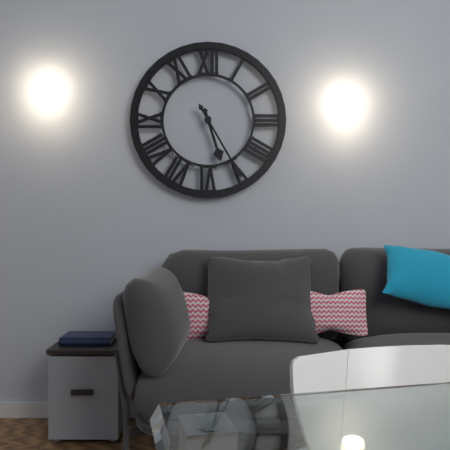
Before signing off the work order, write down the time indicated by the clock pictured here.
5:25
